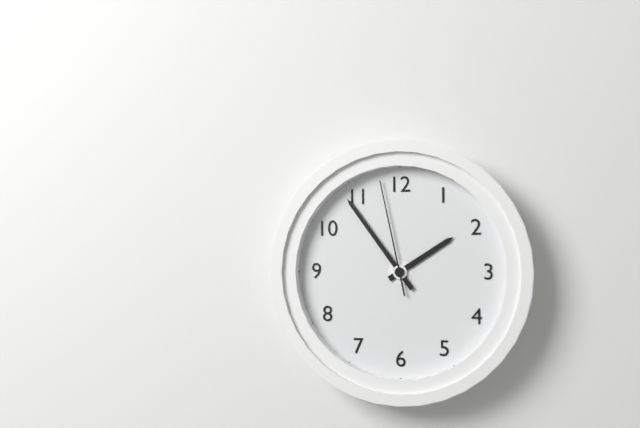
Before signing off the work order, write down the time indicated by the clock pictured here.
1:54:58
